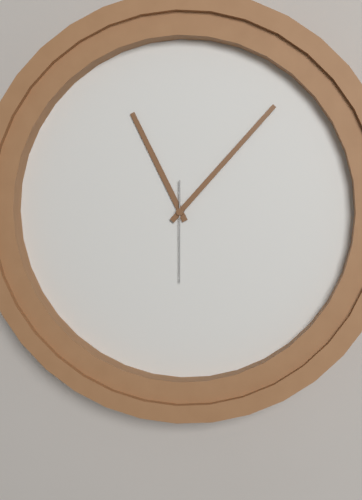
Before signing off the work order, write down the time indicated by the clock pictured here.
11:07:30
